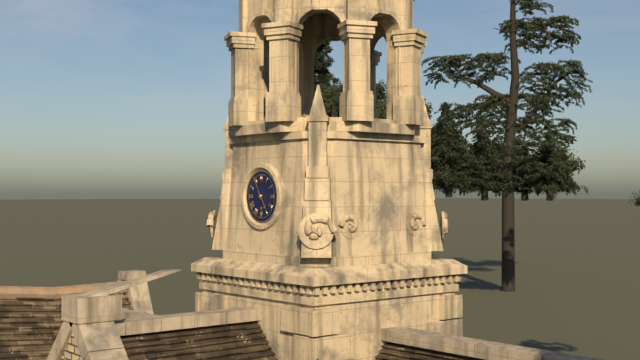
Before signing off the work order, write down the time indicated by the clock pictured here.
4:55
